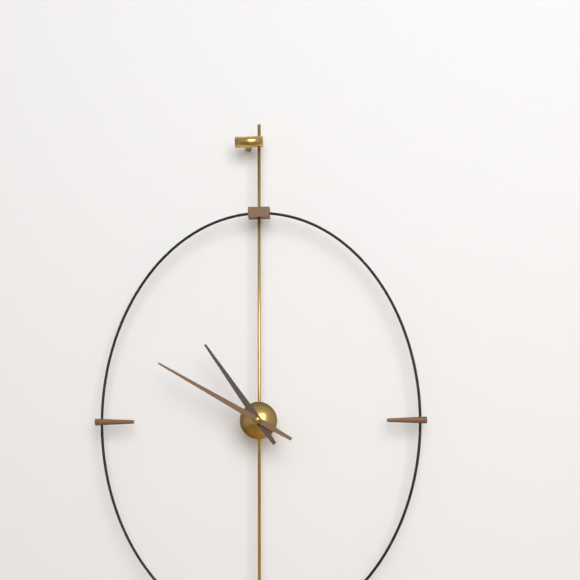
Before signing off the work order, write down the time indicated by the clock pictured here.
10:50
